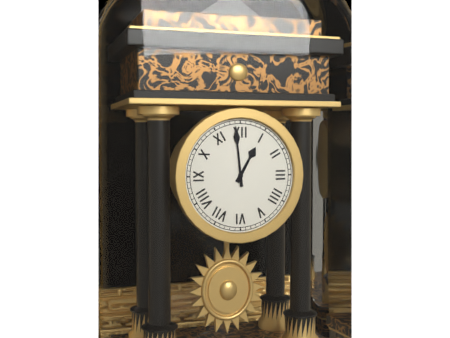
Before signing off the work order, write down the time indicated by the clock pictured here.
12:59
